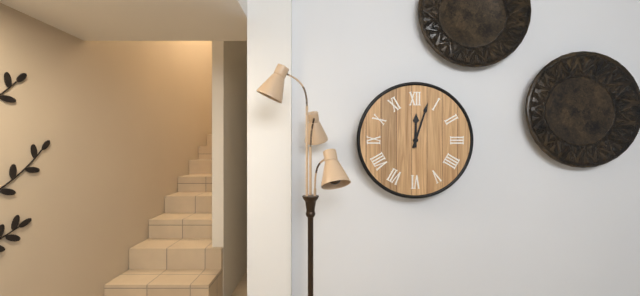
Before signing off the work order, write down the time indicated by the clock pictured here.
12:03
